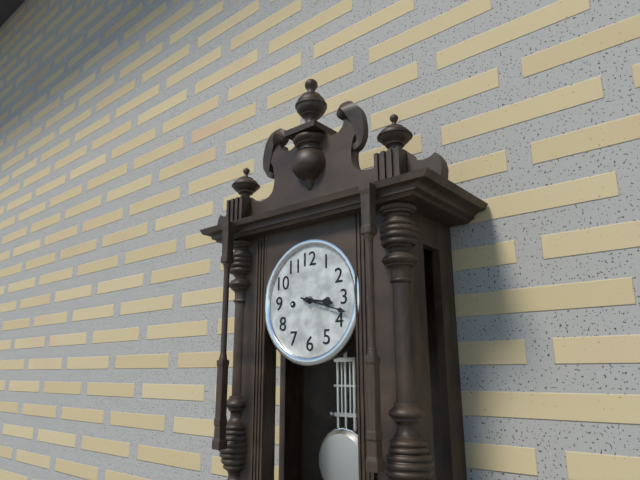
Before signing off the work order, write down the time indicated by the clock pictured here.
3:18
